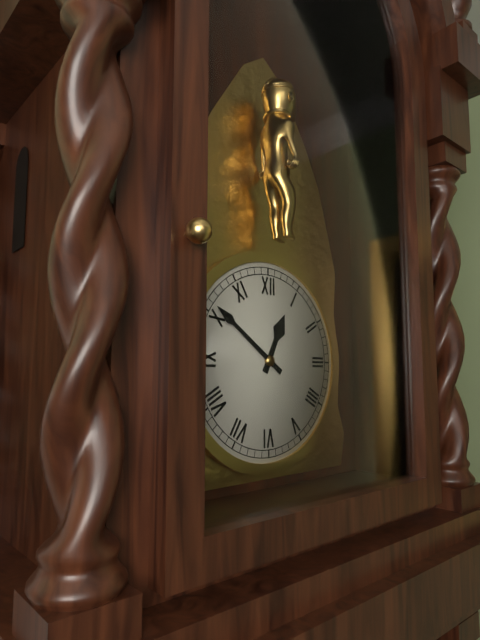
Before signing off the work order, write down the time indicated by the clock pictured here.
12:51
